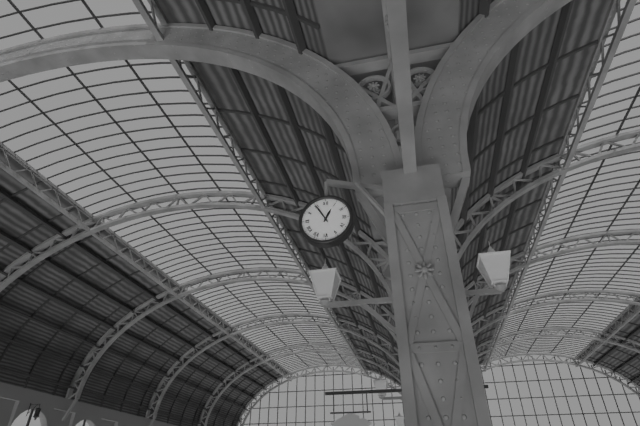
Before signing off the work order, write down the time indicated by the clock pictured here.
12:55
